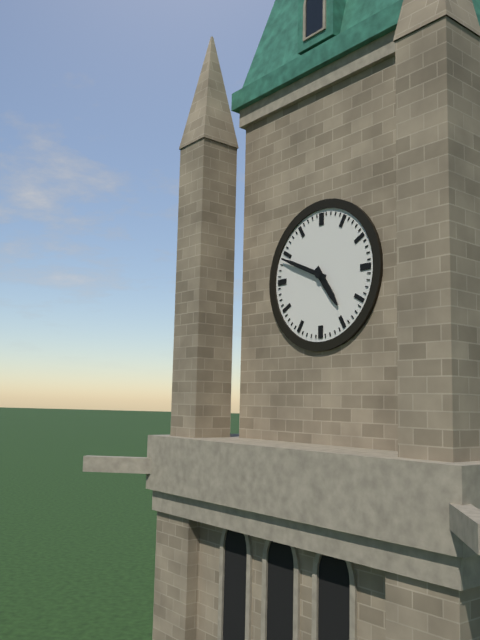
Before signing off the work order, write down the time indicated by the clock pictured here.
4:49
